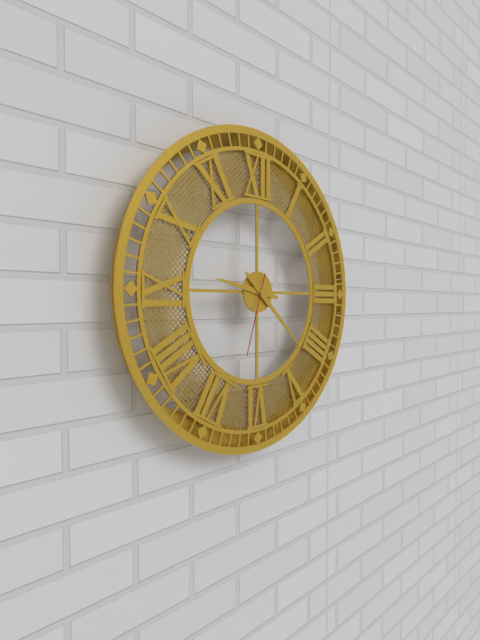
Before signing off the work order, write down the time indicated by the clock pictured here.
9:22:33
